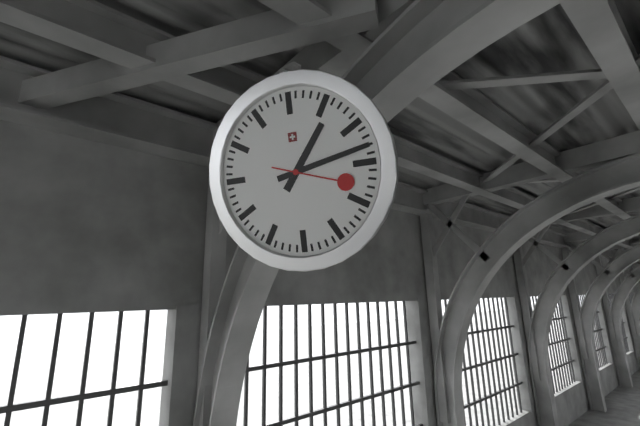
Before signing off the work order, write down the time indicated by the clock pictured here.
1:13:18
